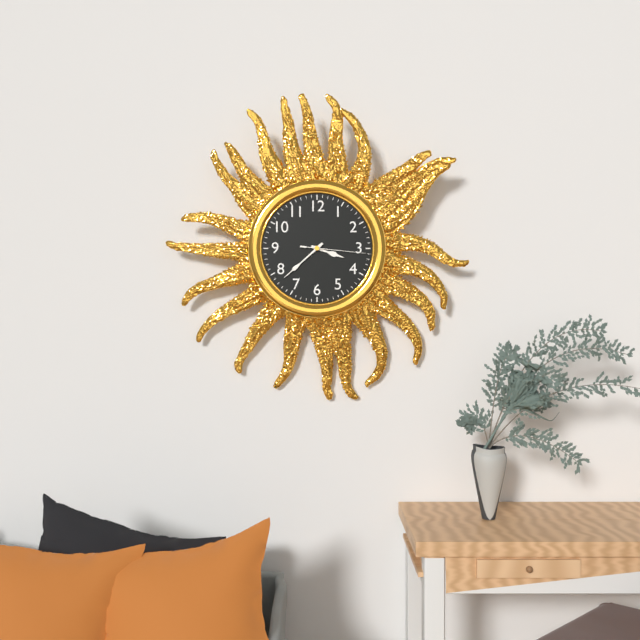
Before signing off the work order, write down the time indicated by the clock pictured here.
3:38:16
